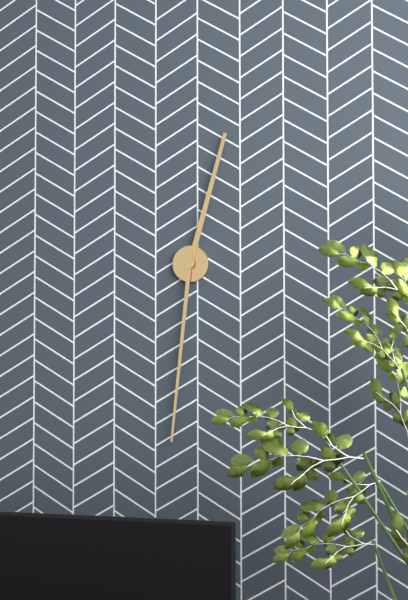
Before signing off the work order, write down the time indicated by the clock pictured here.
12:31
